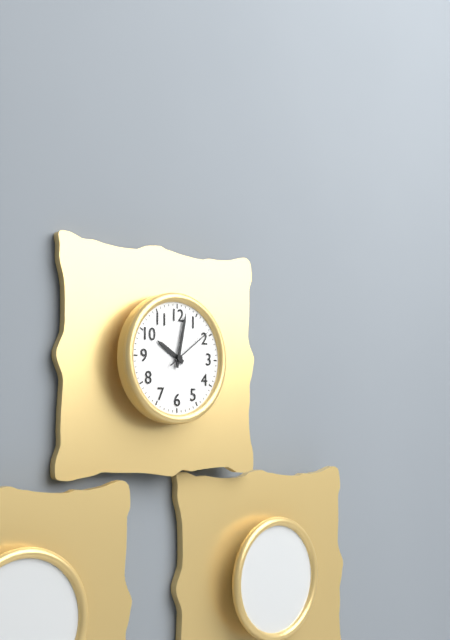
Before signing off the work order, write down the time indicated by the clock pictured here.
10:02:09
